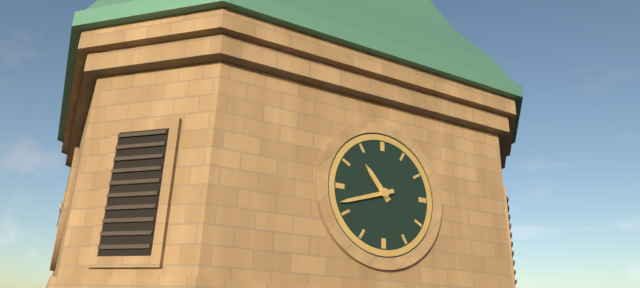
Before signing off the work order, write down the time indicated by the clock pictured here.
10:42
